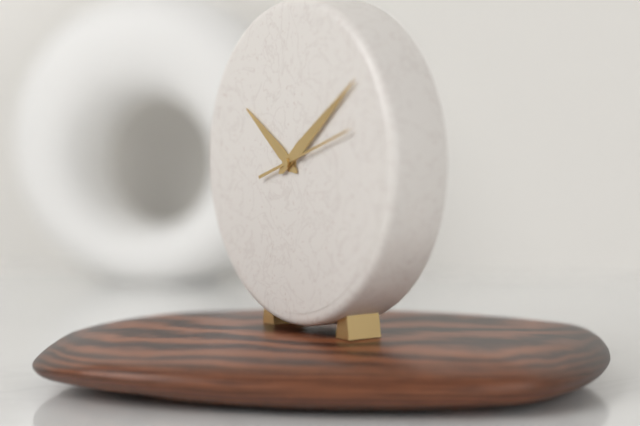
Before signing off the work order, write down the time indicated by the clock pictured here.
10:09:12
